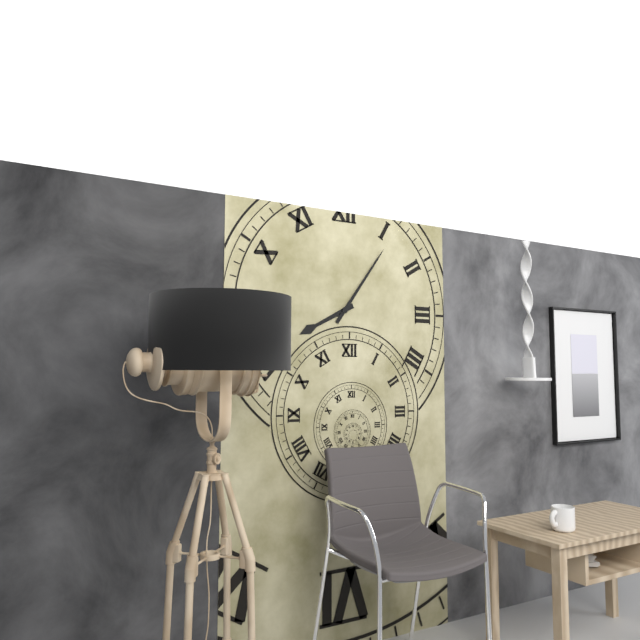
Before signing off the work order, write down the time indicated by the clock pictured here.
8:06
